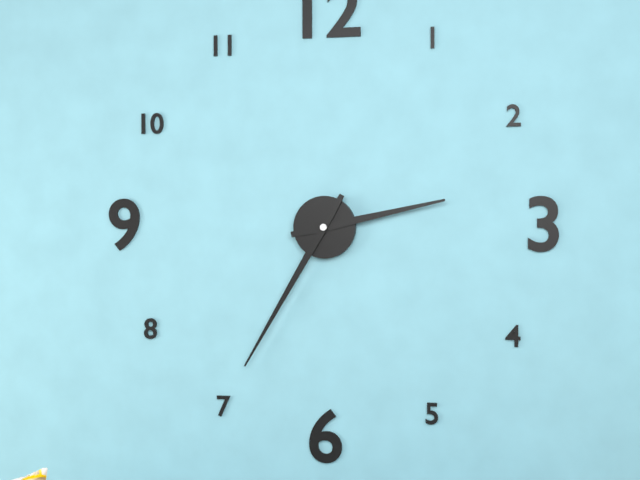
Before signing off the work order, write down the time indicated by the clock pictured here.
2:35
